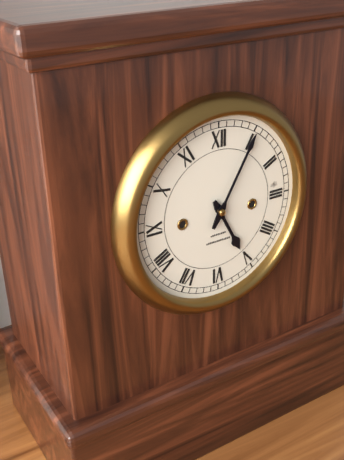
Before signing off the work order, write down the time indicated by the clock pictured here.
5:05
